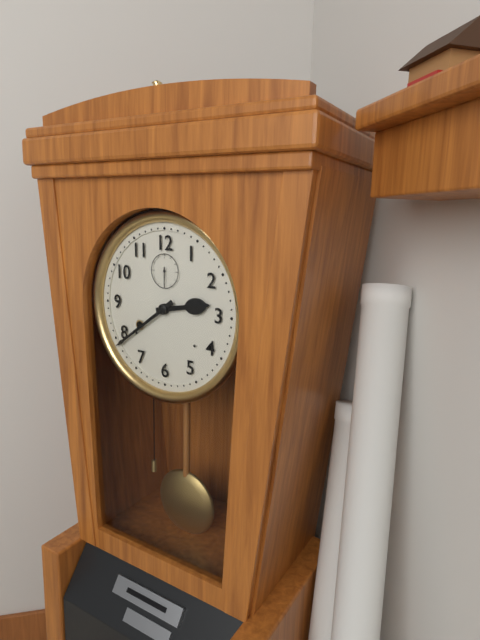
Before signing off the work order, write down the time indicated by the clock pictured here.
2:39
